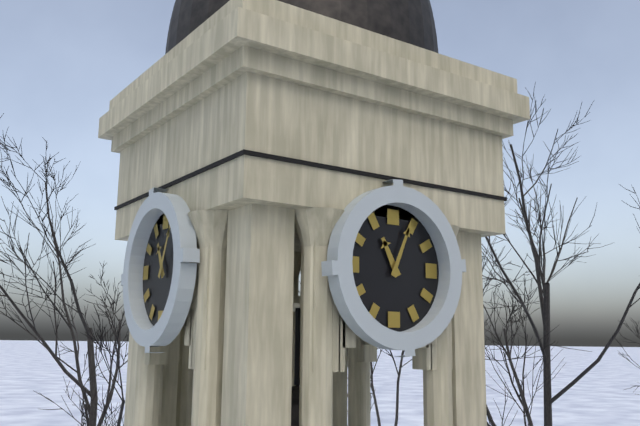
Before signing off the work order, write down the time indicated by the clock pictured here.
11:04
